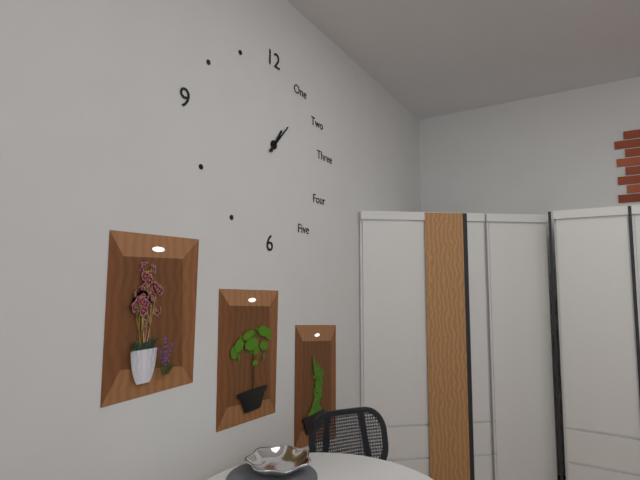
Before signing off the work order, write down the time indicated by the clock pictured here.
1:07
